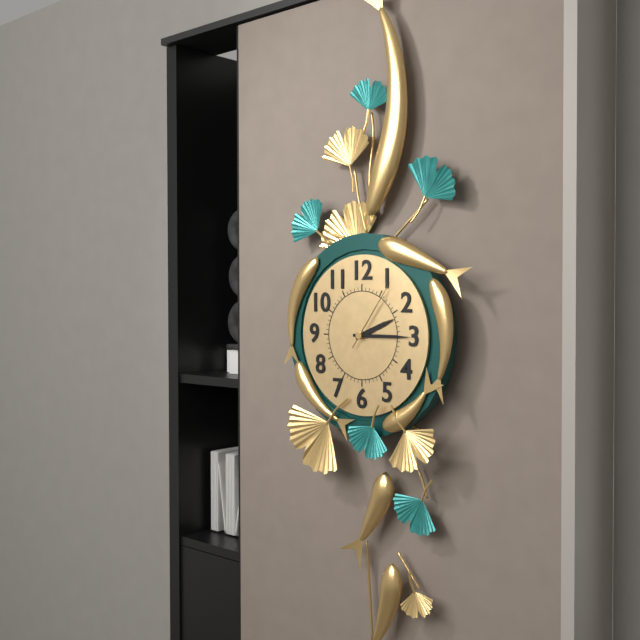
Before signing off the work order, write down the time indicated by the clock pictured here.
2:15:06
